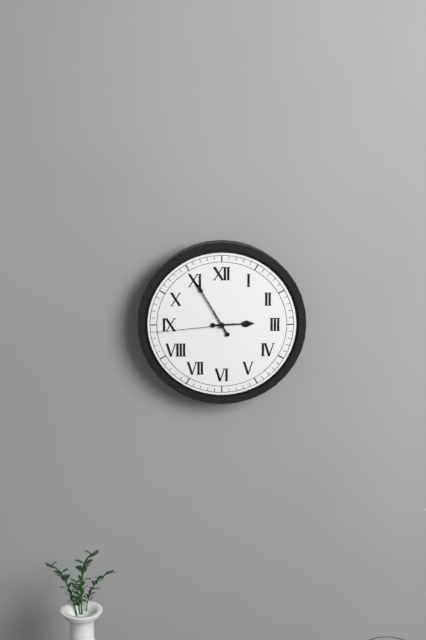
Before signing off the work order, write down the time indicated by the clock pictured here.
2:55:44
